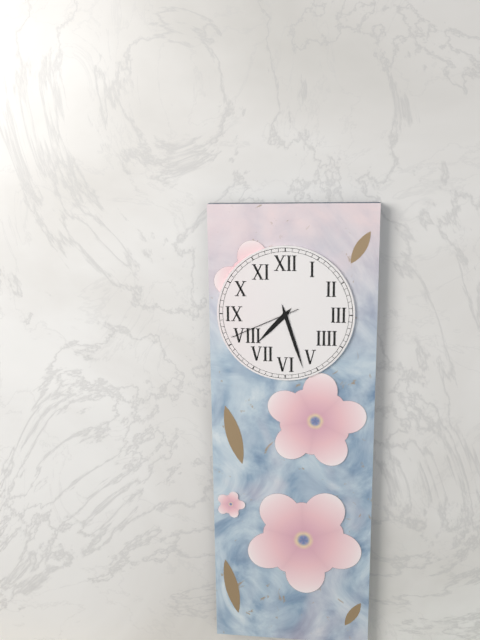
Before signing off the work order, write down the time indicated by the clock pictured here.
7:27:41
